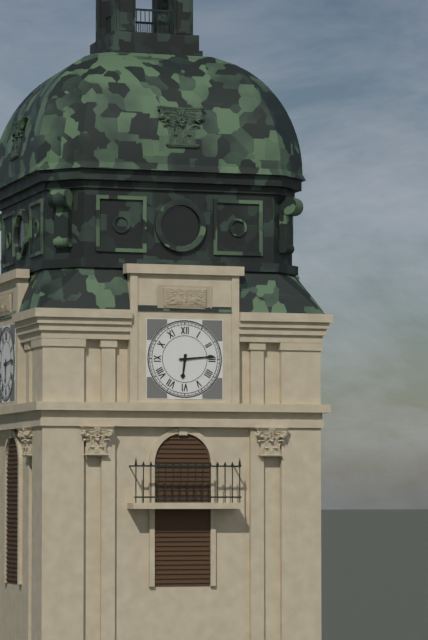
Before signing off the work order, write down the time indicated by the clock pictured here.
6:14
